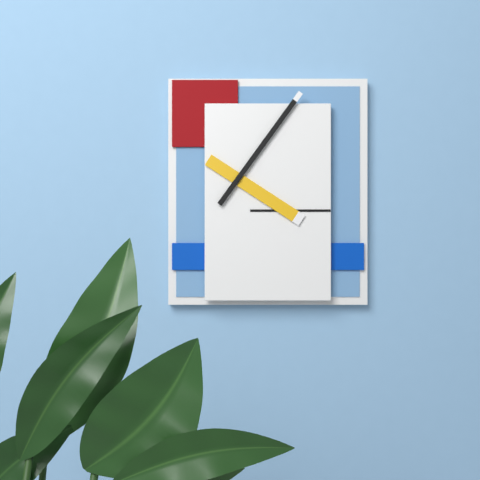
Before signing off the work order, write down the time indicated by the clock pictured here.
4:06
